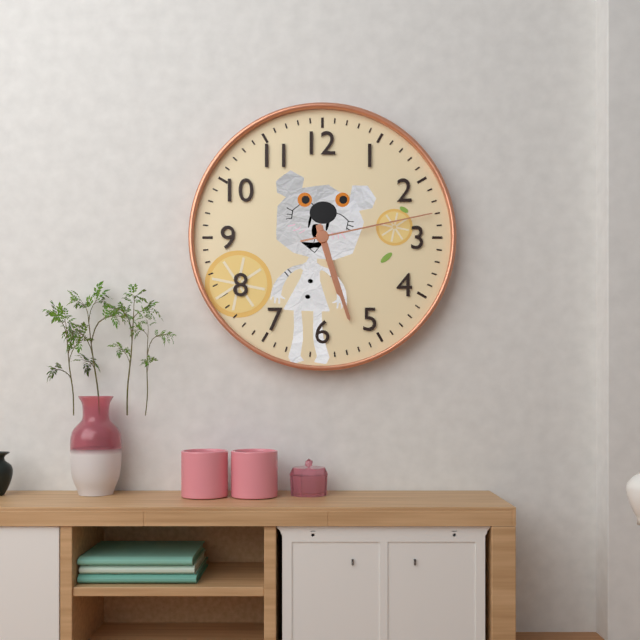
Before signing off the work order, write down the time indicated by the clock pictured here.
5:27:13
